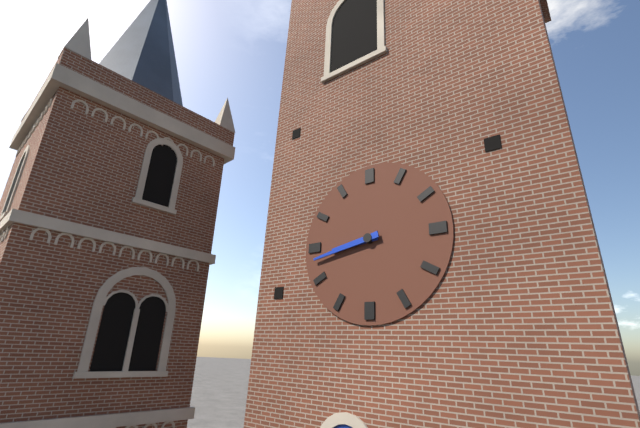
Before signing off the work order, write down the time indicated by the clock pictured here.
8:43
